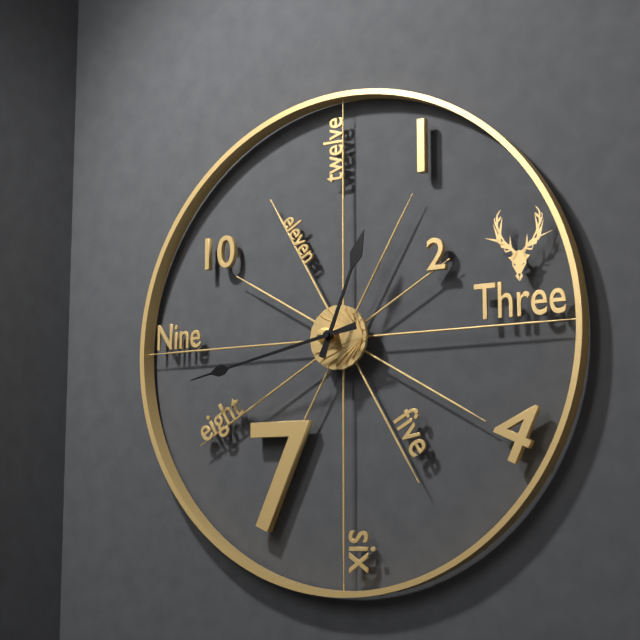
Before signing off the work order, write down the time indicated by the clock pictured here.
12:43
